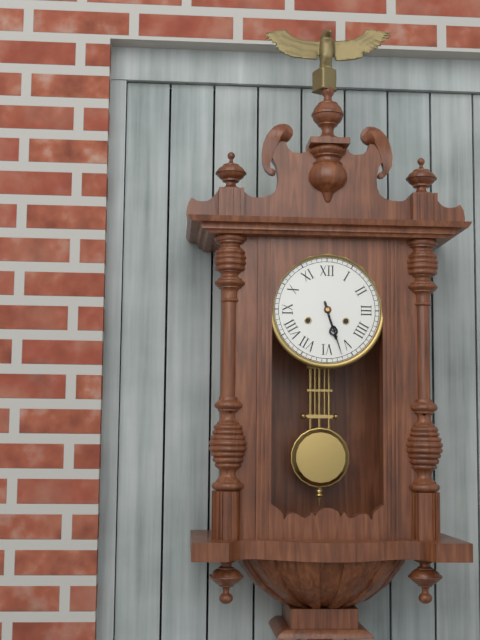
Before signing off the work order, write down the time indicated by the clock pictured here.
5:27
